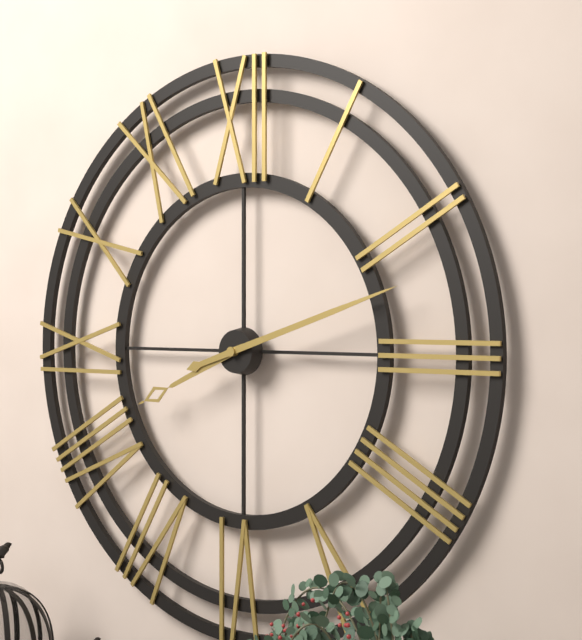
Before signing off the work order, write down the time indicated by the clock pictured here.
8:12
